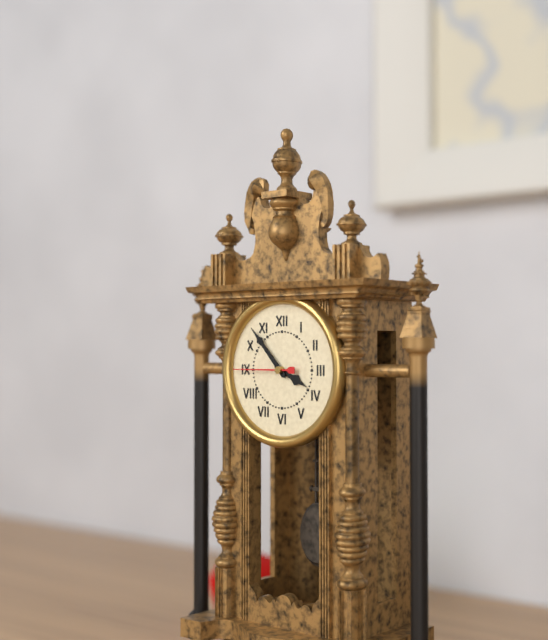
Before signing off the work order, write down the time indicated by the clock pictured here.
3:53:45
